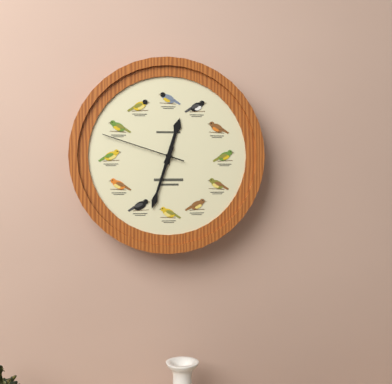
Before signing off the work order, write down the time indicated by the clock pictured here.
12:33:48
